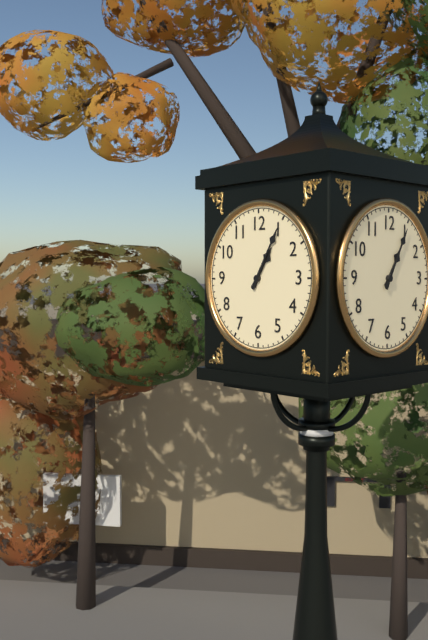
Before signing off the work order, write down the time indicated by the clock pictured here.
1:05
